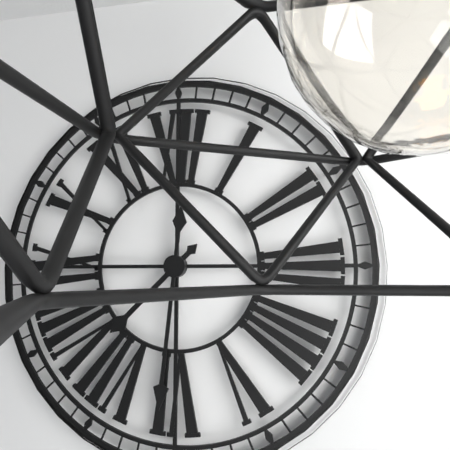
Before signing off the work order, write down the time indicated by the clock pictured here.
7:31
